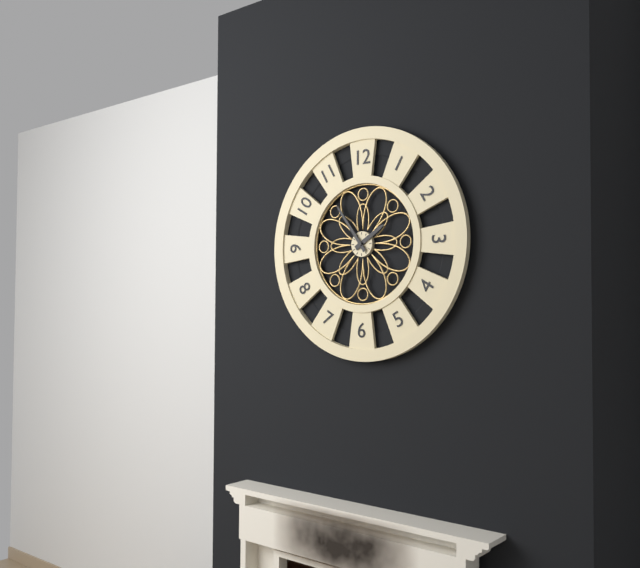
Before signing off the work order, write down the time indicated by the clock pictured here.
1:54
